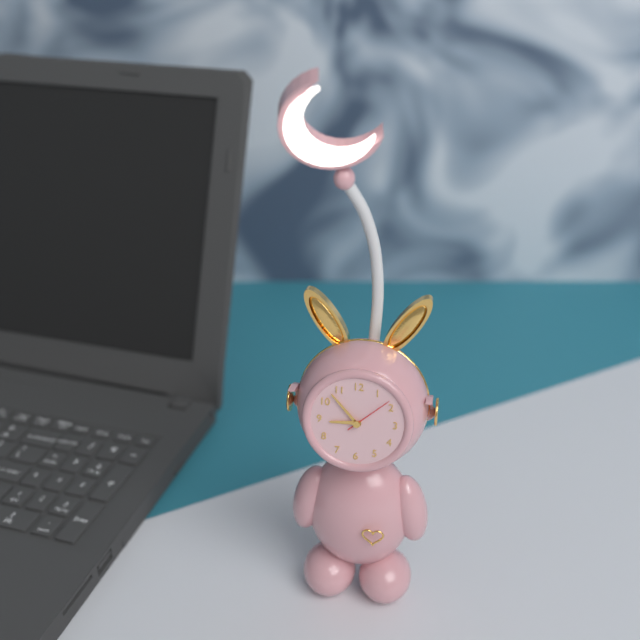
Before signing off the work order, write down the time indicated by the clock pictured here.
8:53
